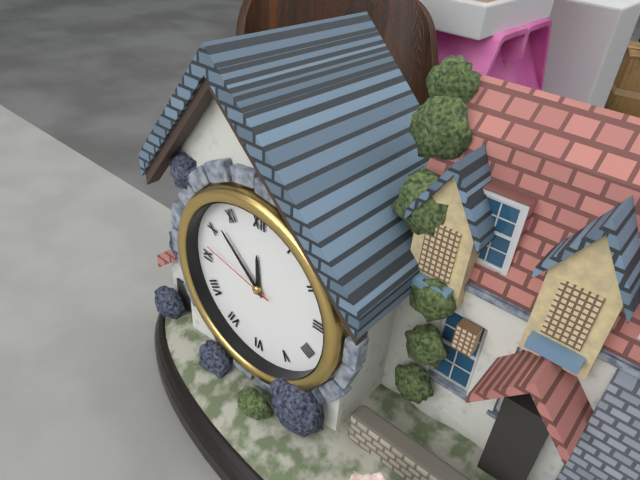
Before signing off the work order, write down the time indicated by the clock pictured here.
11:52:47
